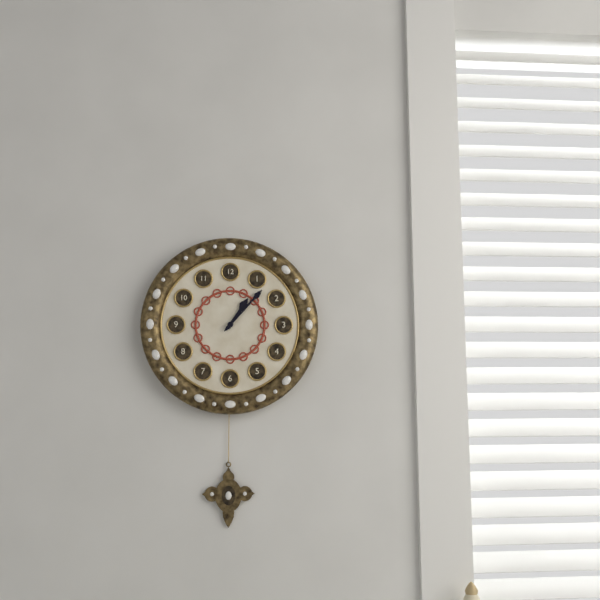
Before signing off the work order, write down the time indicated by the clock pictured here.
1:07
